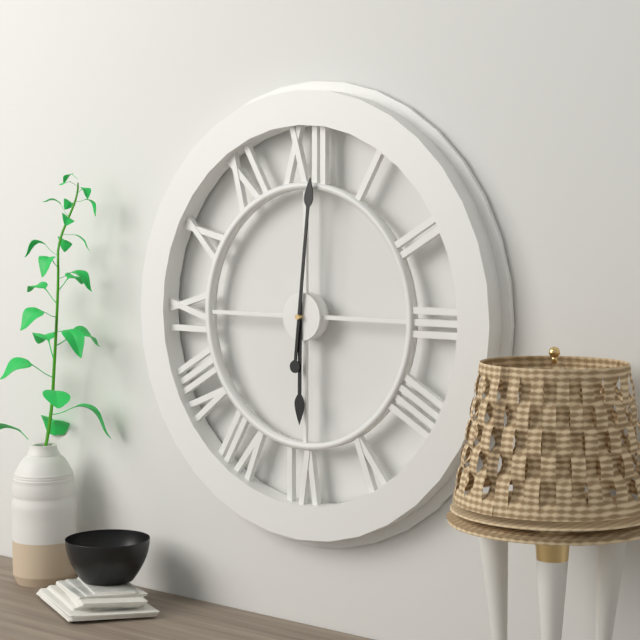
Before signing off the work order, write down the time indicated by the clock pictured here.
6:01
